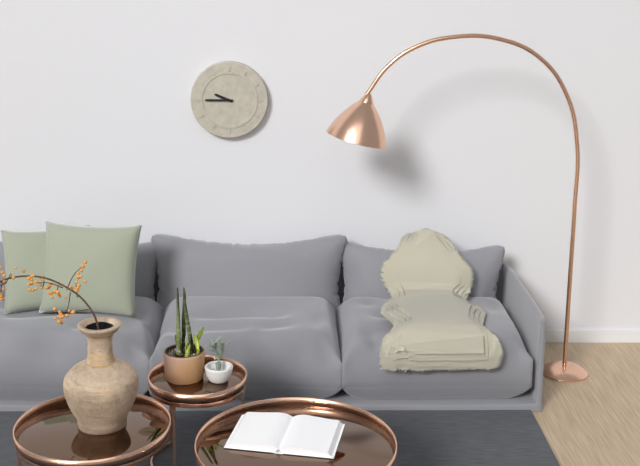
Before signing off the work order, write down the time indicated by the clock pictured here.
9:45
